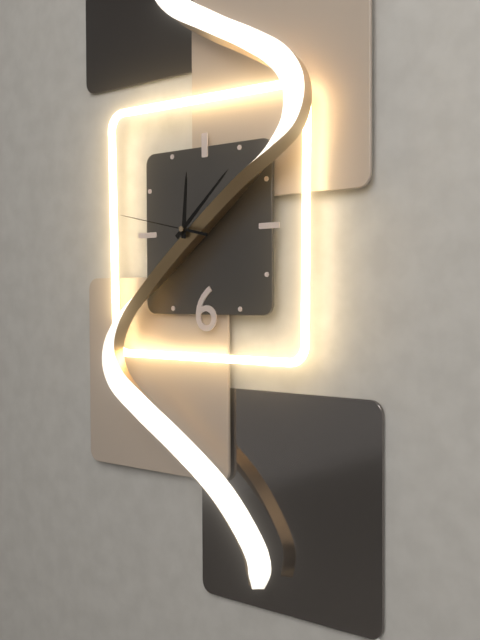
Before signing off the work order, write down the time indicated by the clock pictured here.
12:08:47
